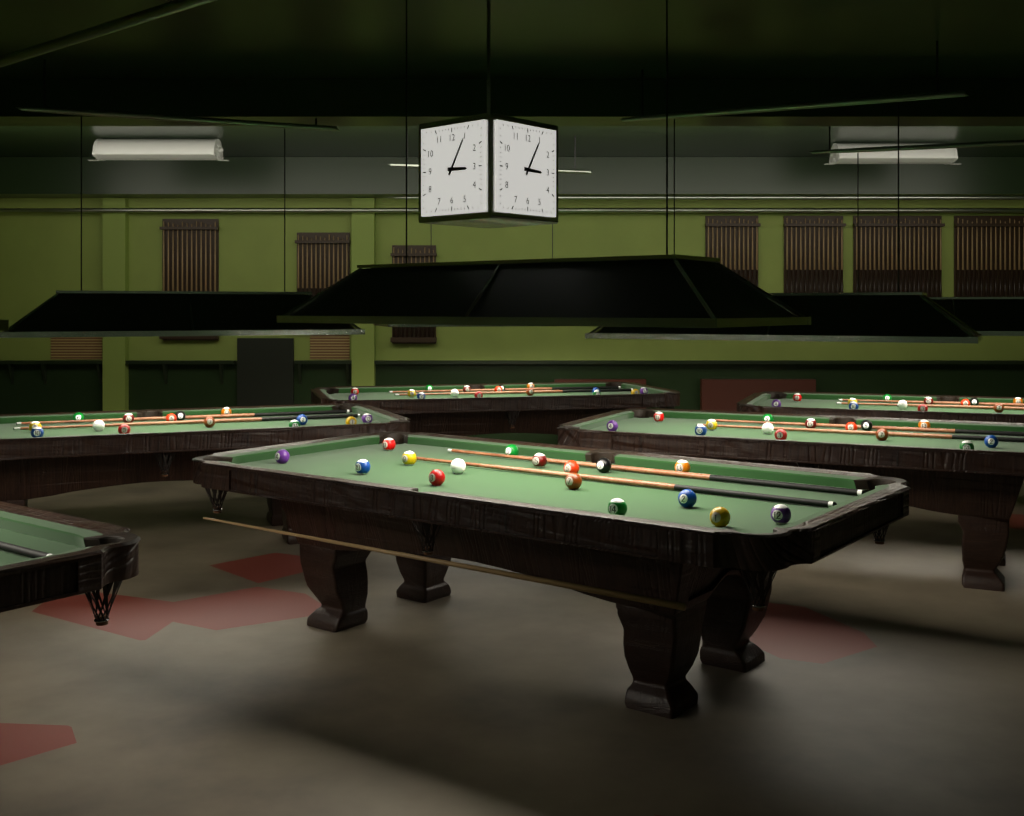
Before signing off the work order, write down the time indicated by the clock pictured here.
3:05
